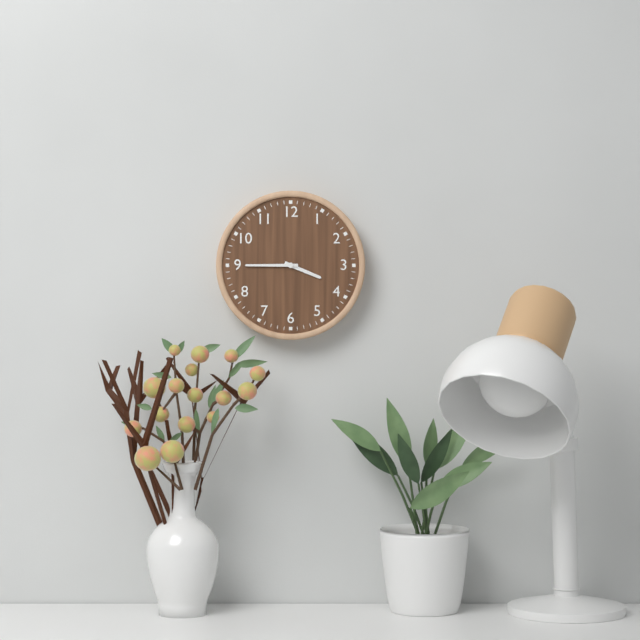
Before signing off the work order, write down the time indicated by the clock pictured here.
3:45
